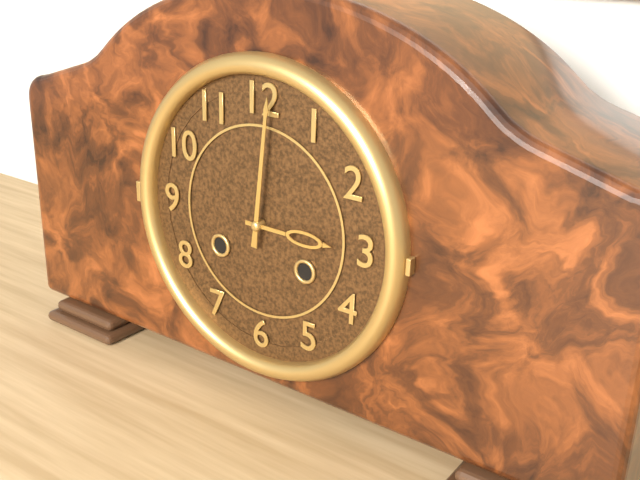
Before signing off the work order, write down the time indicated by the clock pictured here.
3:01
